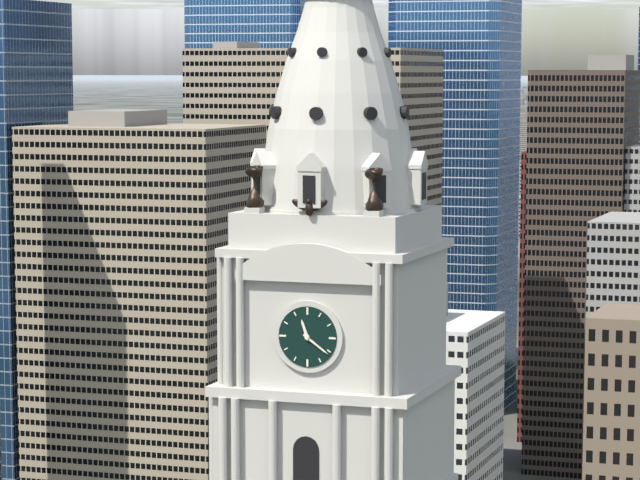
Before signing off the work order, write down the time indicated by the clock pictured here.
11:21
